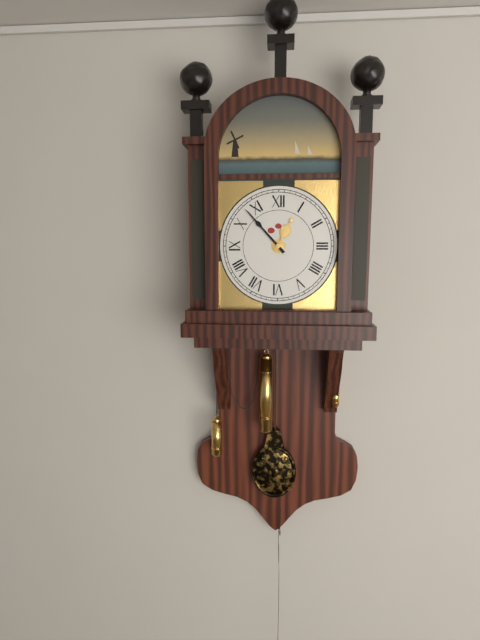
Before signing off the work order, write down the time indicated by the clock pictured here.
12:53
